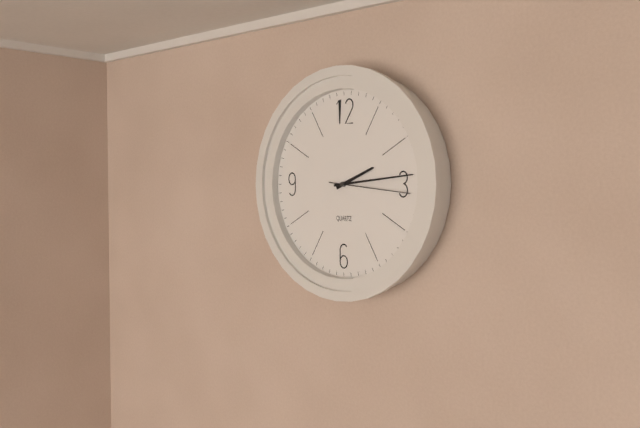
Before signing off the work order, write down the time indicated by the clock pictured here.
2:14:16
